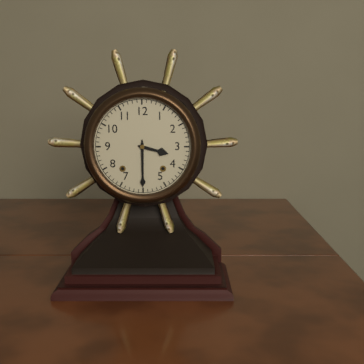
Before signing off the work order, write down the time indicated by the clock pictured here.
3:30
